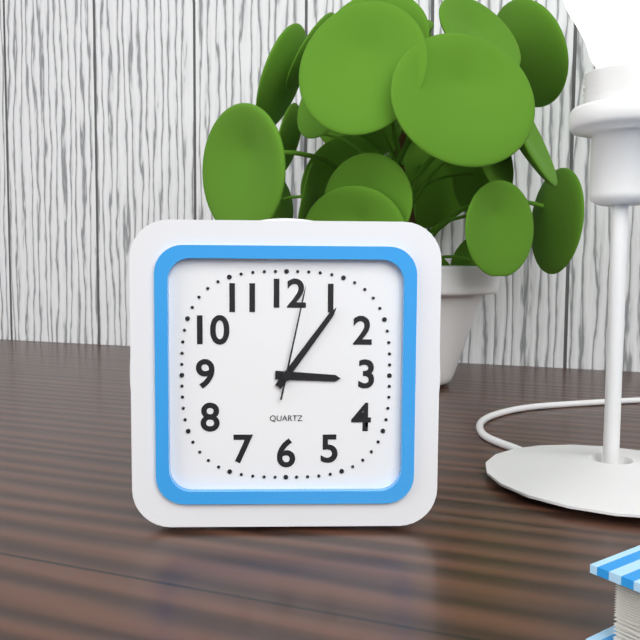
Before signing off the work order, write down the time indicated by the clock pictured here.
3:06:02
